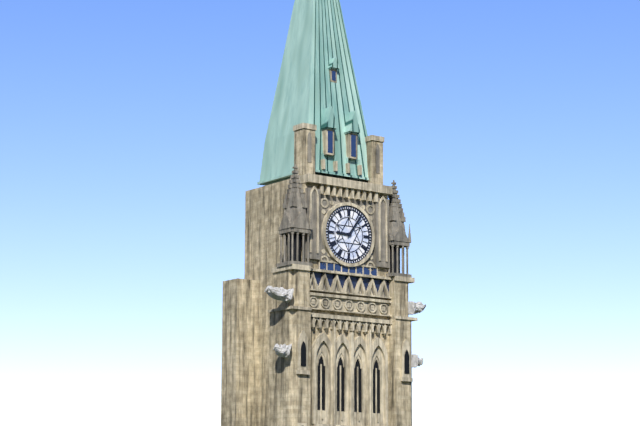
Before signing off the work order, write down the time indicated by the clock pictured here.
9:06
